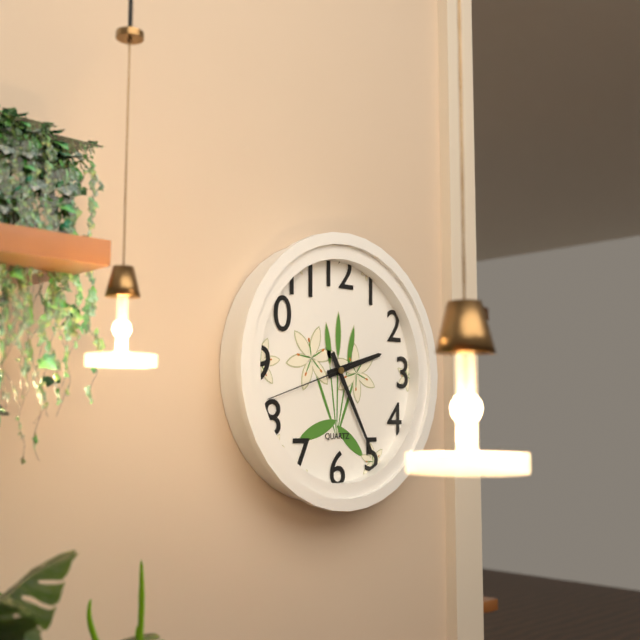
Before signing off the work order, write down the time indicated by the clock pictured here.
2:25:42
